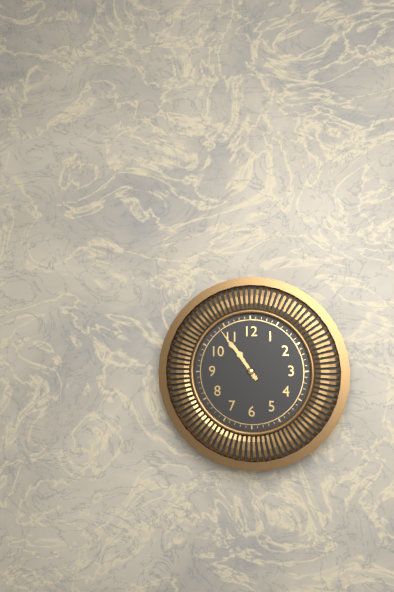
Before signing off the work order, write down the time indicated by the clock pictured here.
10:54
